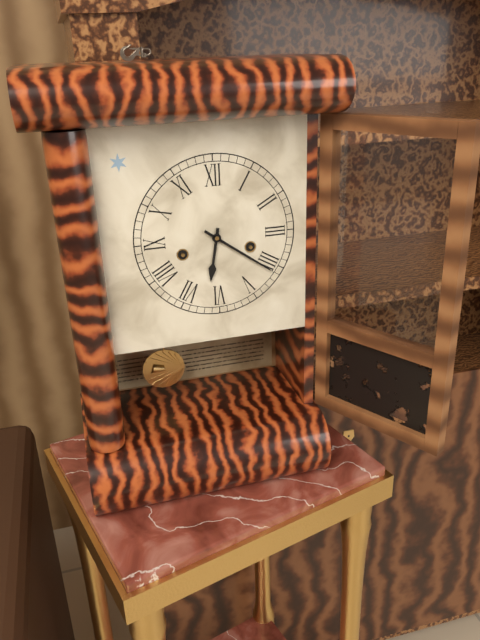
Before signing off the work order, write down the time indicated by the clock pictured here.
6:21
